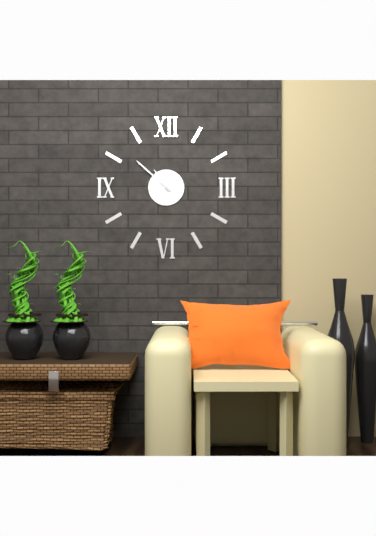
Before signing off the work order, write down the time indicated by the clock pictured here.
10:52
